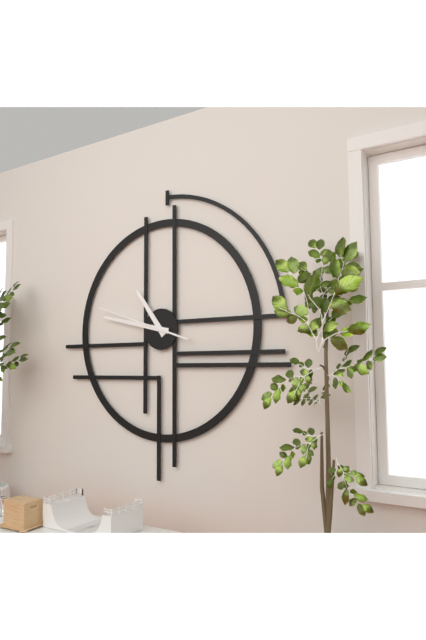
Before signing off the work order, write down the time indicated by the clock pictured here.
10:47:48
